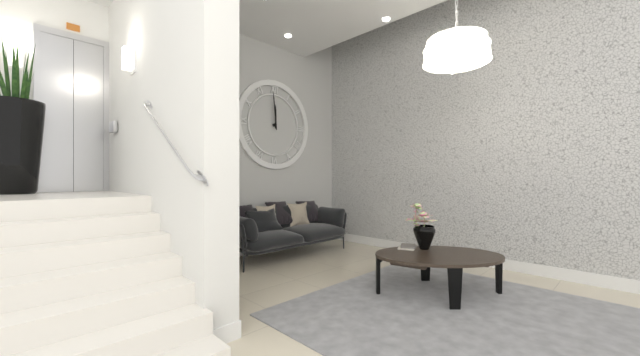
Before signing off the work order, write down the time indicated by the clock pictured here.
11:59
